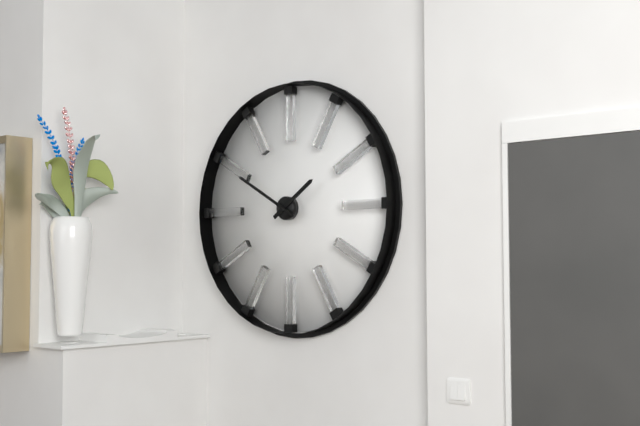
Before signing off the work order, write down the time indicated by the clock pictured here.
1:50
